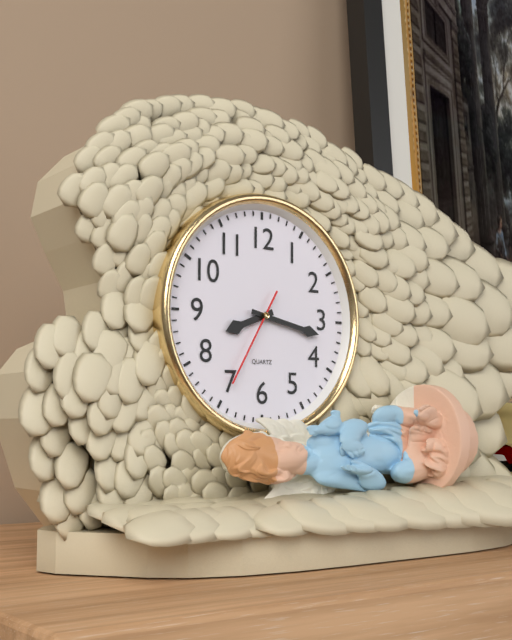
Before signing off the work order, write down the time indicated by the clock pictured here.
8:17:35
